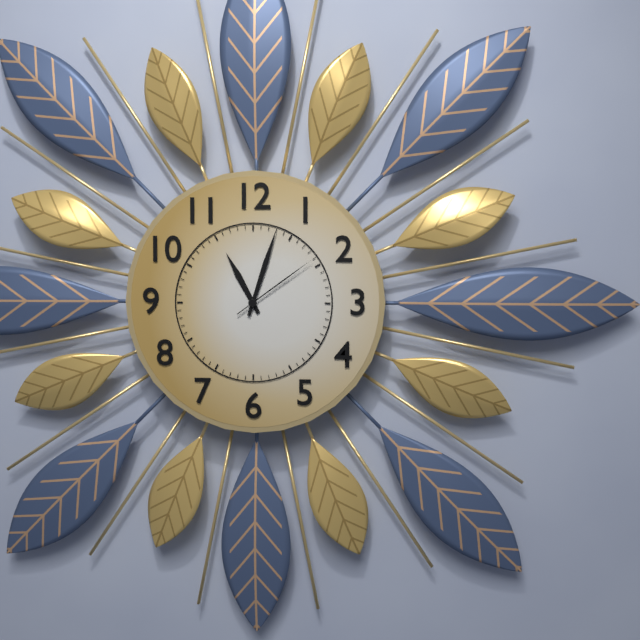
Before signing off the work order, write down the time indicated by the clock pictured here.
11:03:09
